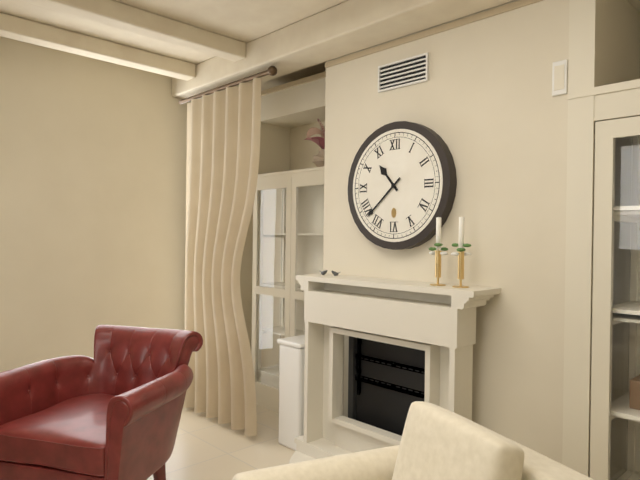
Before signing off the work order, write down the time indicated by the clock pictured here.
10:38
